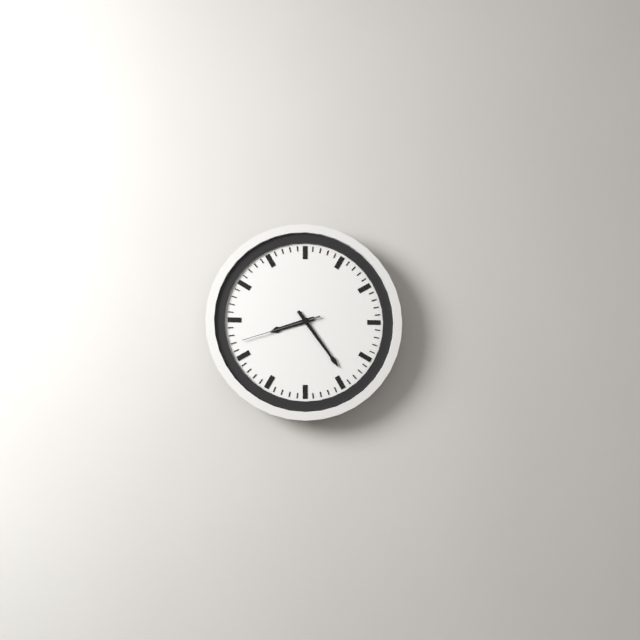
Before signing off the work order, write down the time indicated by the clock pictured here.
8:24:42
